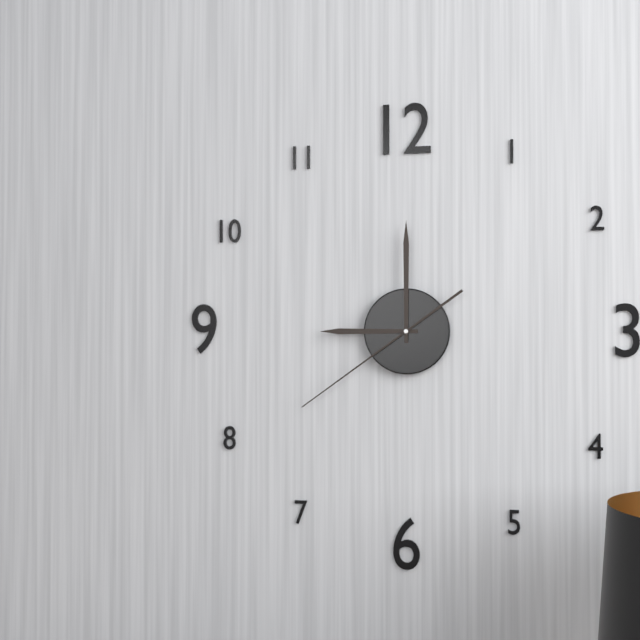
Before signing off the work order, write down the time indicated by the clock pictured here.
9:00:39
